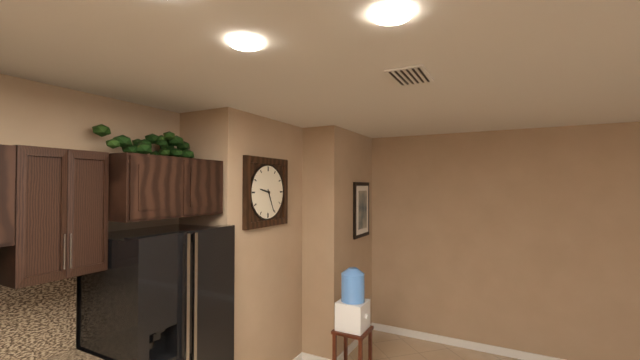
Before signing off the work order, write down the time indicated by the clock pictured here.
9:26
